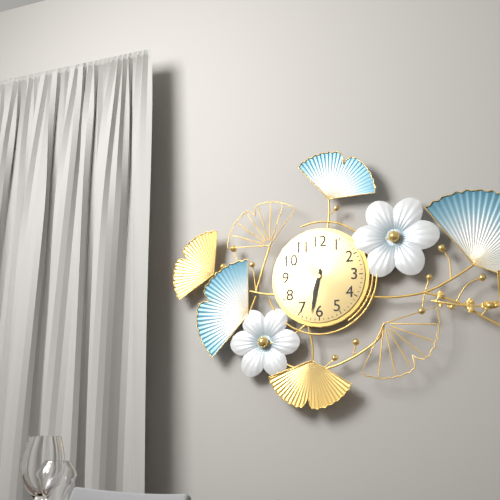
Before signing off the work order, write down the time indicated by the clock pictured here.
6:32
